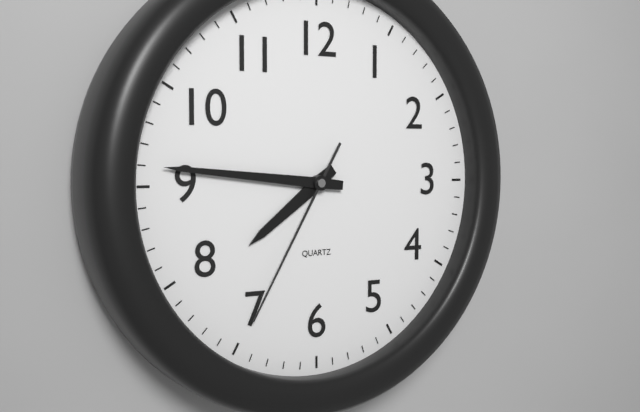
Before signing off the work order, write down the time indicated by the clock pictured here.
7:46:35
